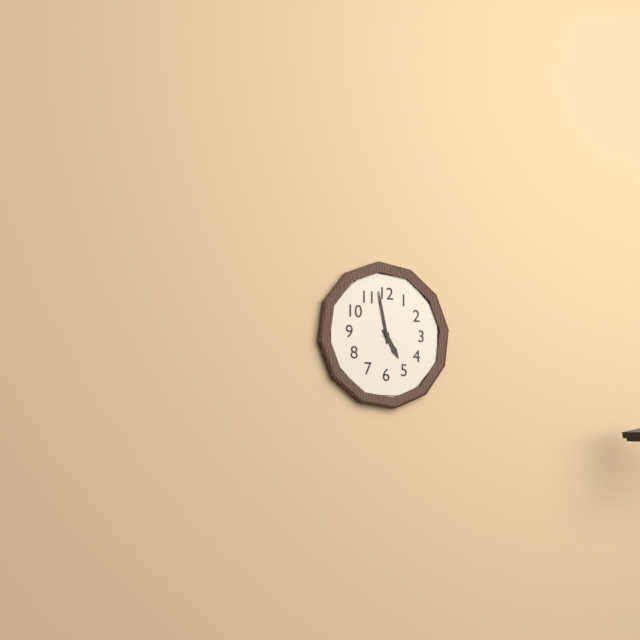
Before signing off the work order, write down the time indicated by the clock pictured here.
4:58
